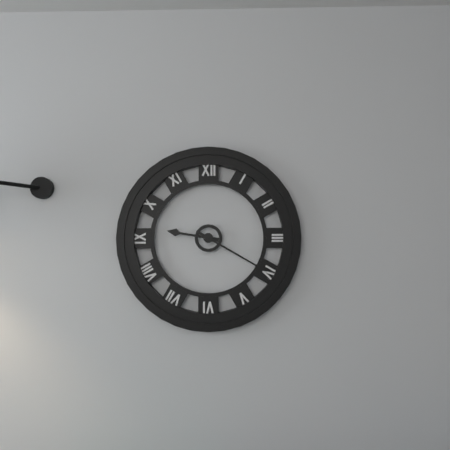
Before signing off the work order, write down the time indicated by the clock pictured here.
9:20
